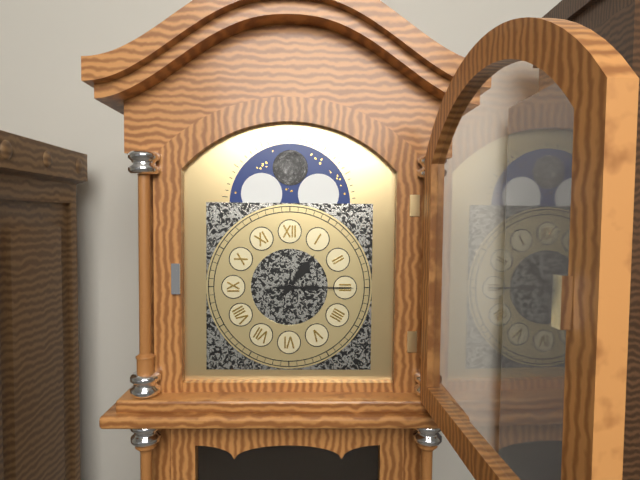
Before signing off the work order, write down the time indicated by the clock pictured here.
1:15
